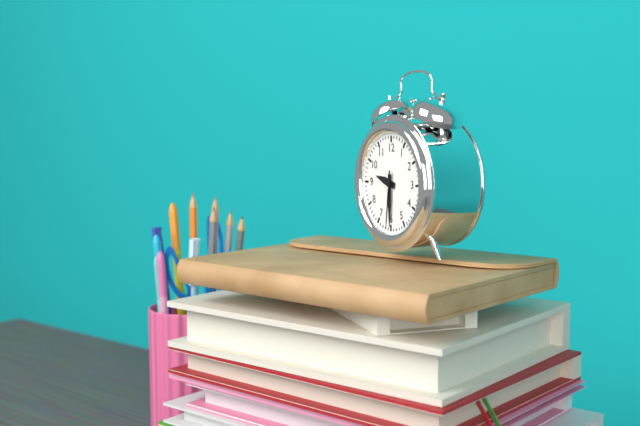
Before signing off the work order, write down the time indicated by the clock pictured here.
9:30:31
